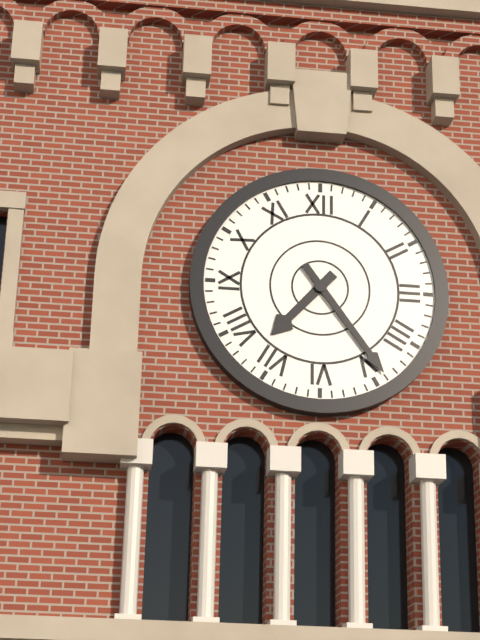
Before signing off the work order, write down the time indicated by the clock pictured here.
7:24
